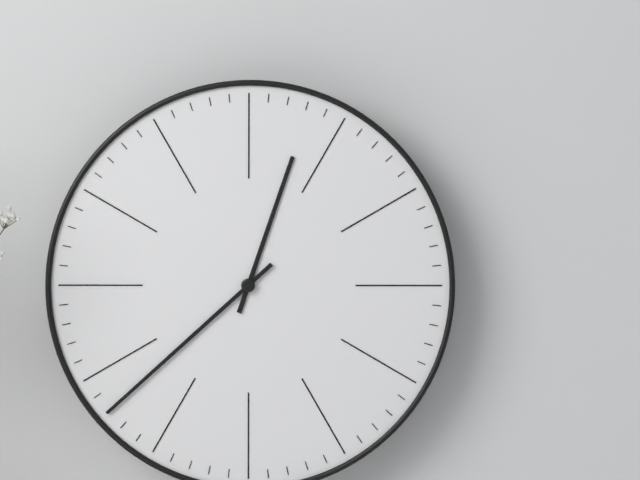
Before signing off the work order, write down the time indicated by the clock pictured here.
12:38
